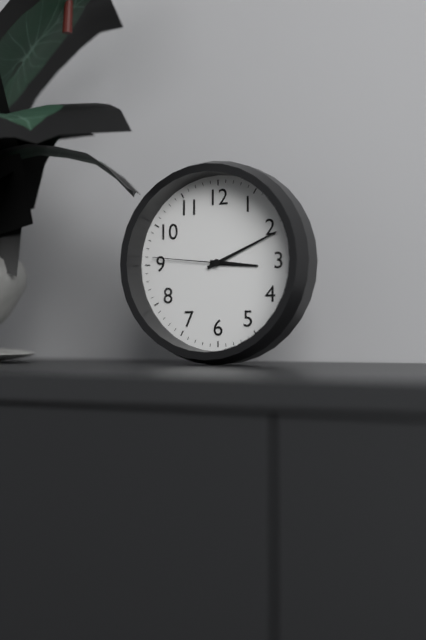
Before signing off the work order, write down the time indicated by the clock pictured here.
3:11:46
